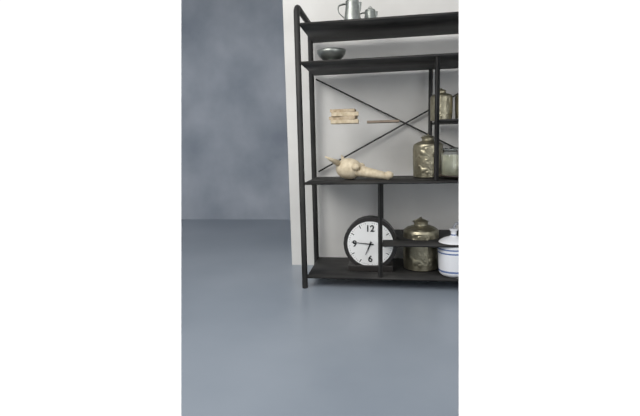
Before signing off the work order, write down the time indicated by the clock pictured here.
6:46
